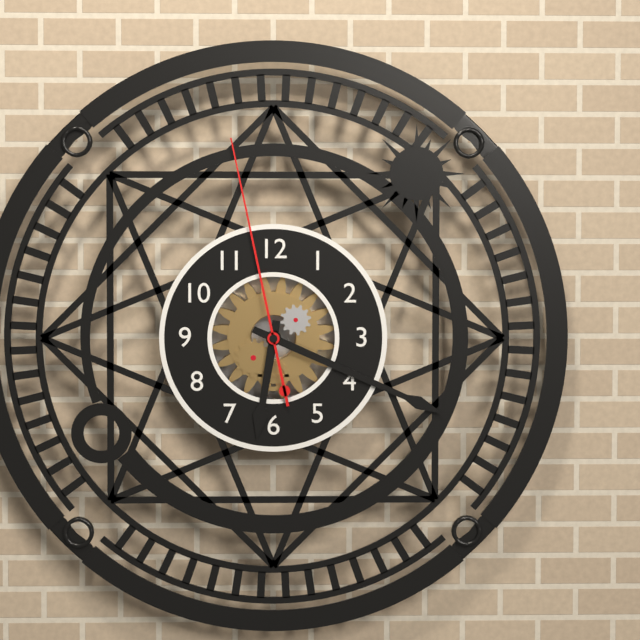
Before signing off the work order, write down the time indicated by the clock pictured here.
6:19:58
